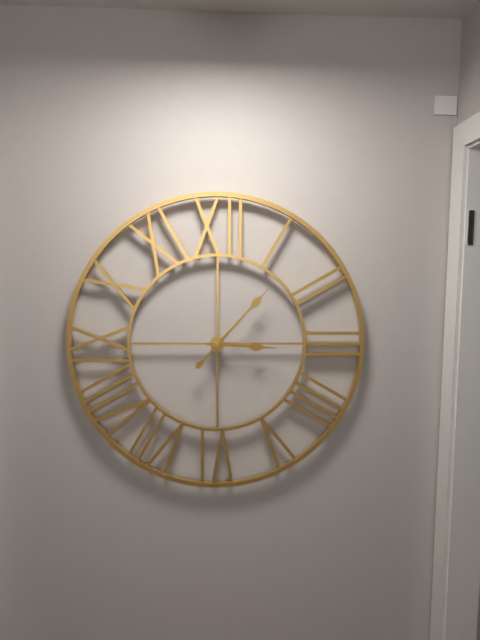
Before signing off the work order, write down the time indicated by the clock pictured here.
3:07
